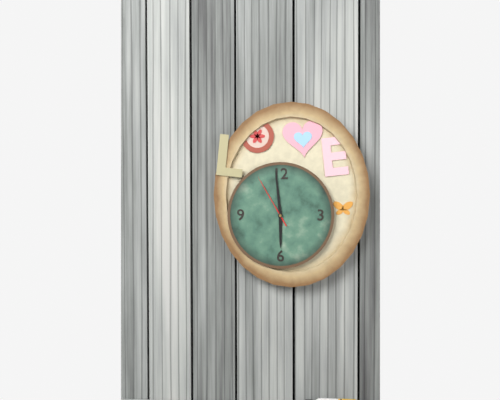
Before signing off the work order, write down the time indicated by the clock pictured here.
5:59:55
